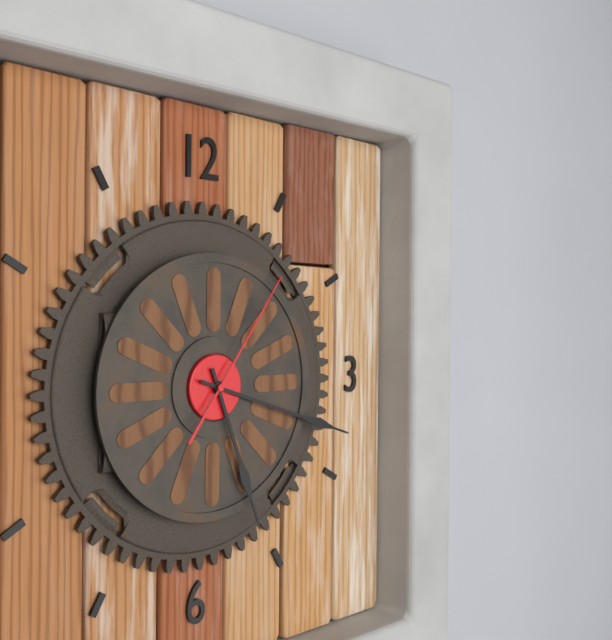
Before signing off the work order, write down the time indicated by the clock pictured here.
5:18:06
